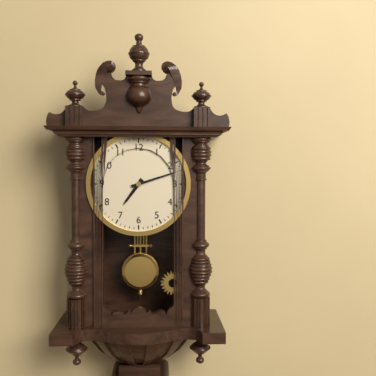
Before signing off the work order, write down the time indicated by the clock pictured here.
7:12
